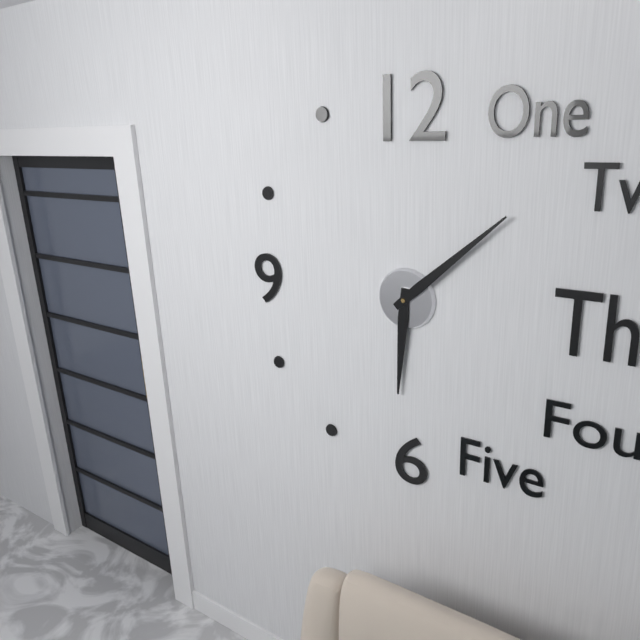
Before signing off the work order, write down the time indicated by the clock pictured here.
6:08
